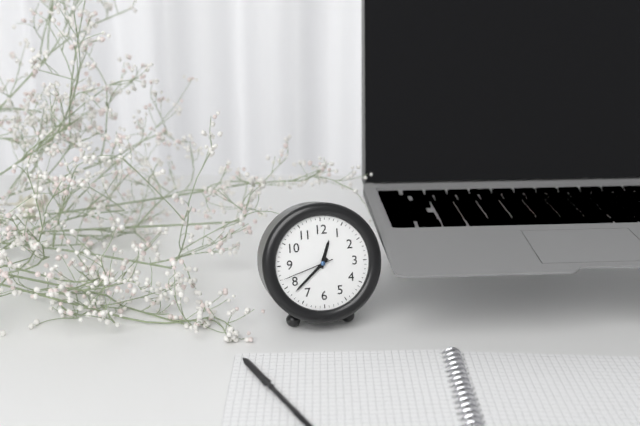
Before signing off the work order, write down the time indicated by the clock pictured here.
12:38:42
